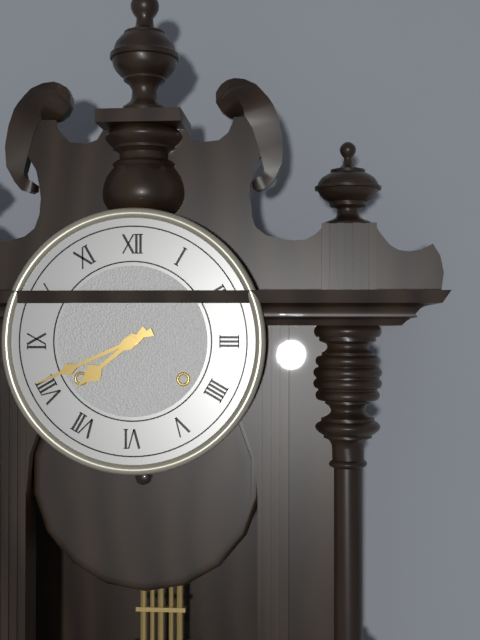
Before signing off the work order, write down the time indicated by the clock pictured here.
7:41
